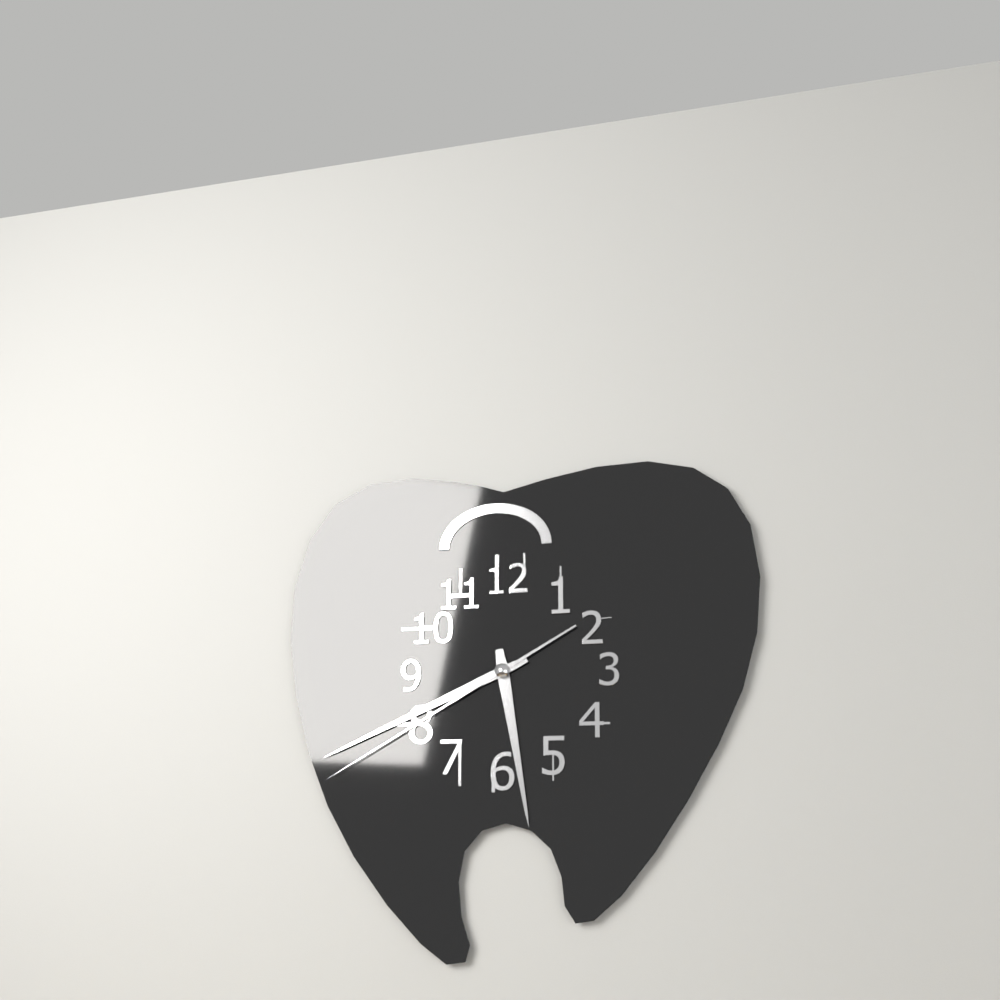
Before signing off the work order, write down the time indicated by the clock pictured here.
5:41:40
